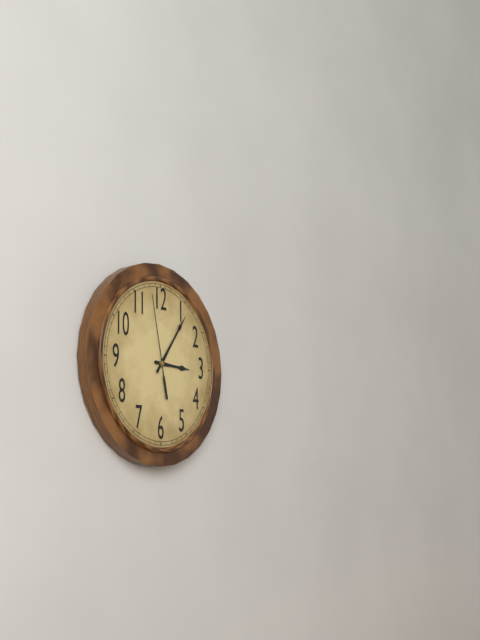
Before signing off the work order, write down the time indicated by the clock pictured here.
3:06:58
